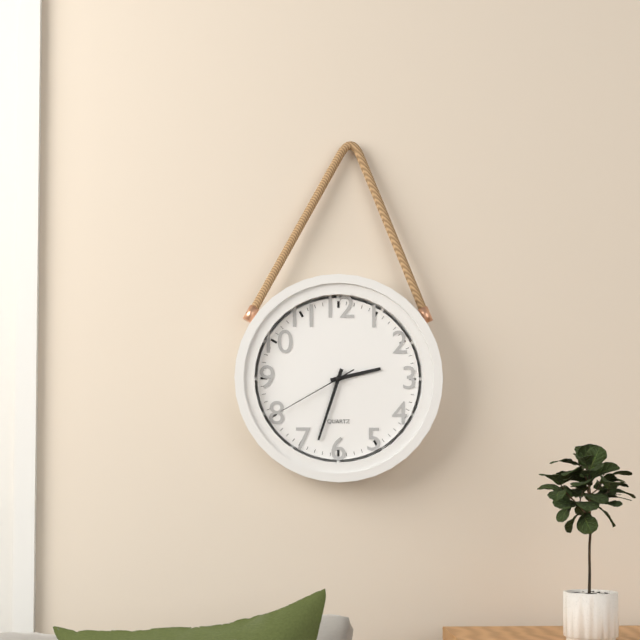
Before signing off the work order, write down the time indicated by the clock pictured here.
2:33:40
